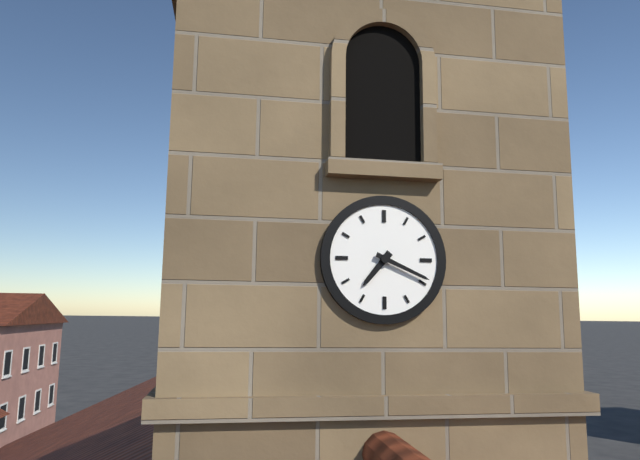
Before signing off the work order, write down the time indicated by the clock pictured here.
7:19
